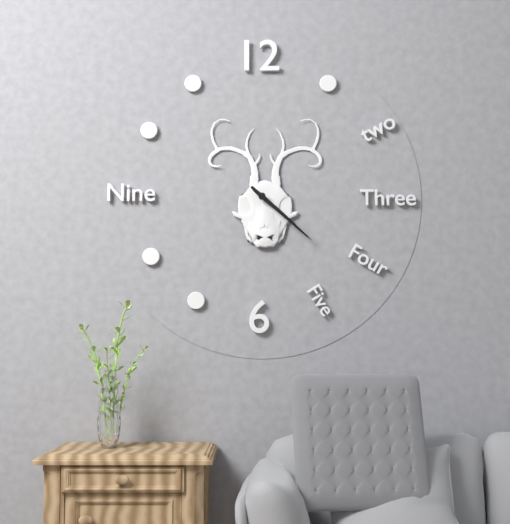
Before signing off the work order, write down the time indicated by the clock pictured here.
4:22
